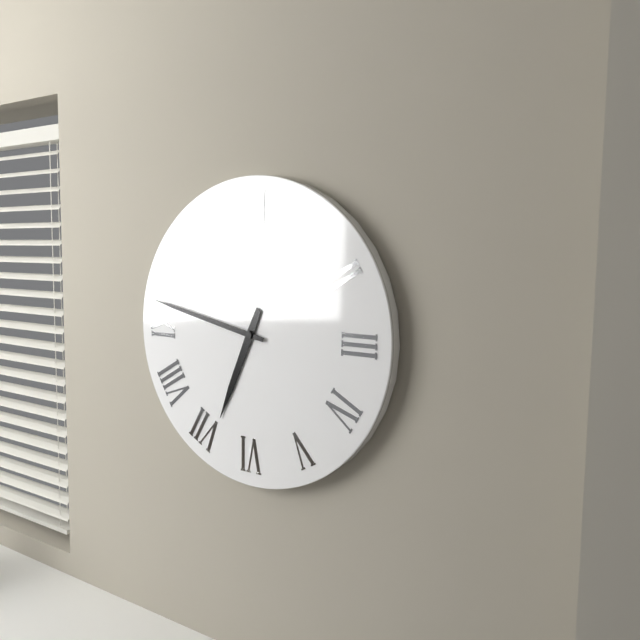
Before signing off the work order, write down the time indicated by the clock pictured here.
6:47
